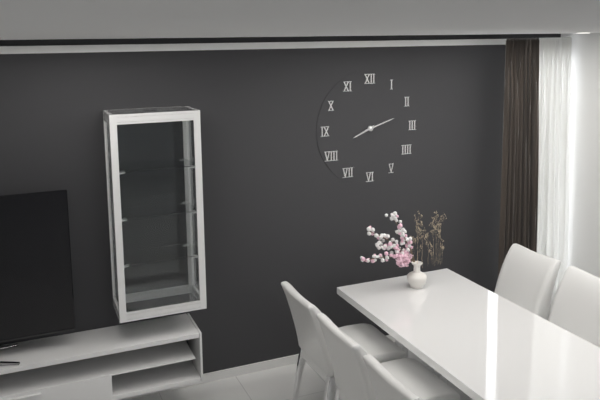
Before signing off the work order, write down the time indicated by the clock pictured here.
8:12
